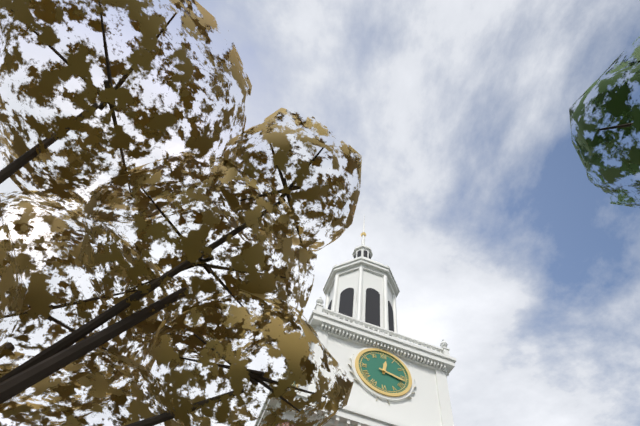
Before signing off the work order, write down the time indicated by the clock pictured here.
12:17
